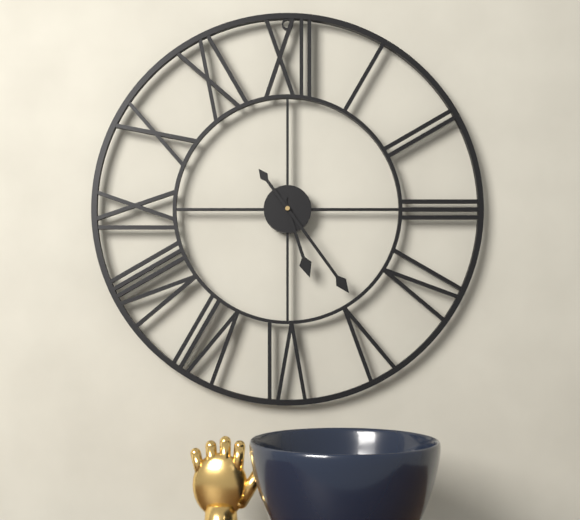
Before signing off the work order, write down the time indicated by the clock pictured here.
5:24
